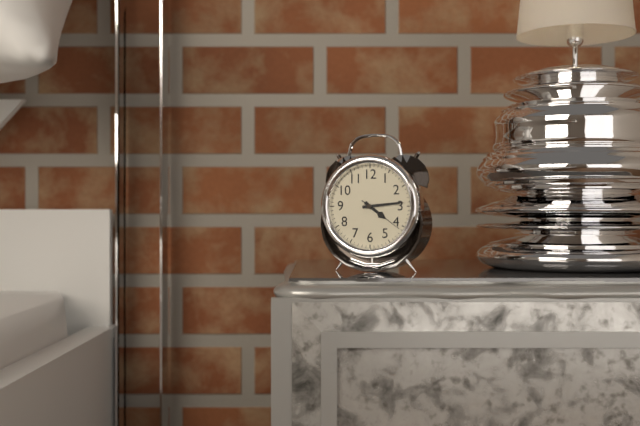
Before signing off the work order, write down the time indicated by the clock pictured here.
4:14
